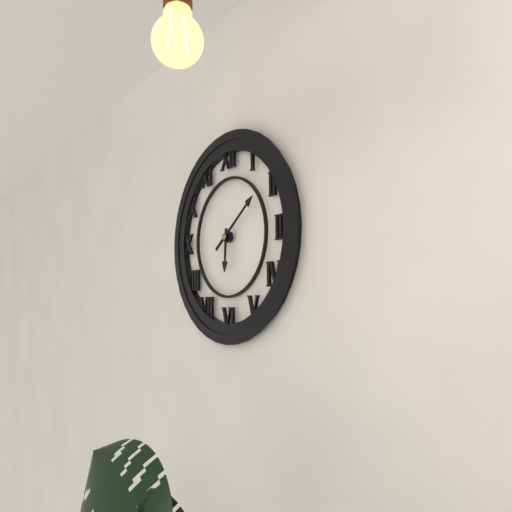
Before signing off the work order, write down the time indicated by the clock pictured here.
6:09
